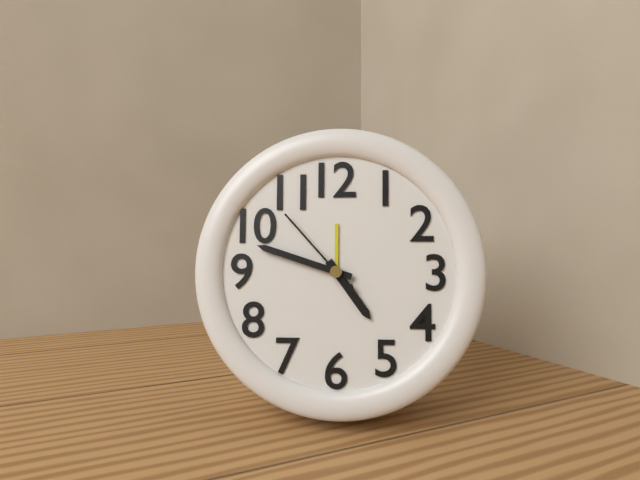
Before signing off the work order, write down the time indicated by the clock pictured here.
4:48:53
